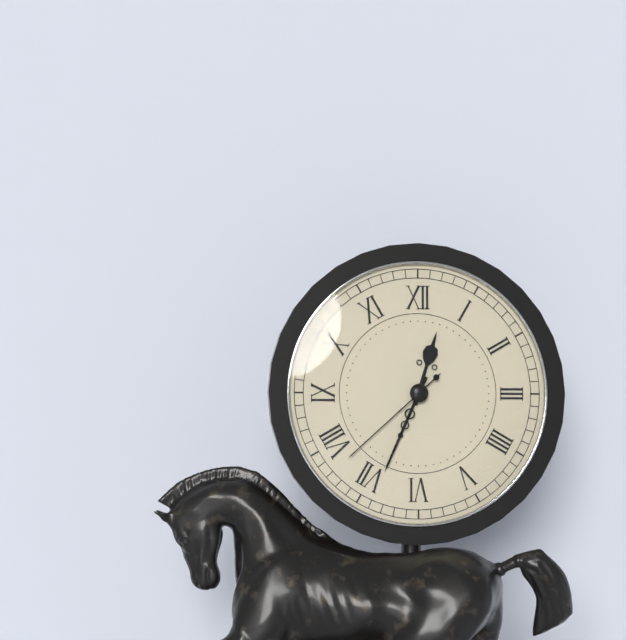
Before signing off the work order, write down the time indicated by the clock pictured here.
12:34:38
